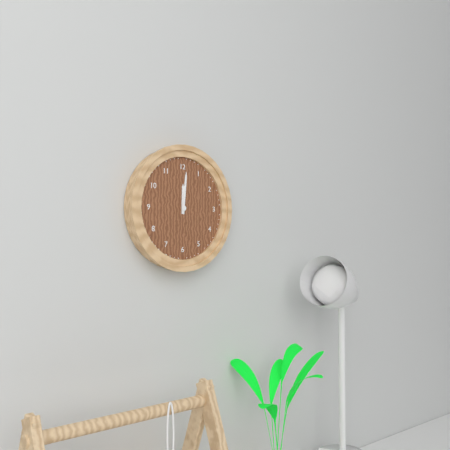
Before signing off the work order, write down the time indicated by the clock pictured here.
12:01
